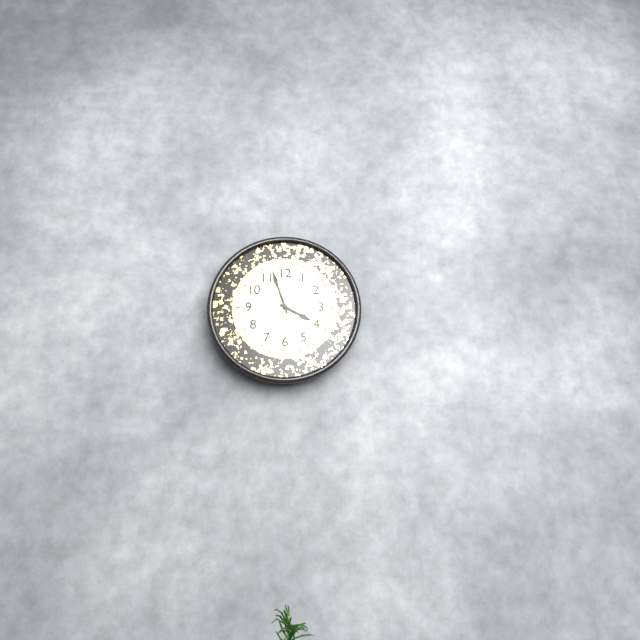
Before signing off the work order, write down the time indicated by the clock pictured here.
3:57
